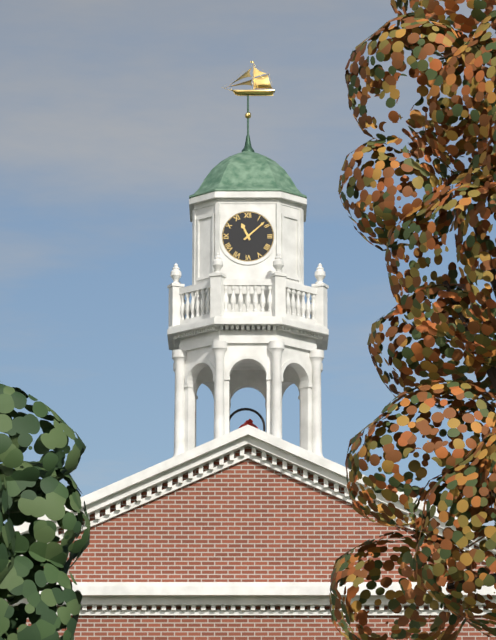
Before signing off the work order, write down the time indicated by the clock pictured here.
11:08
